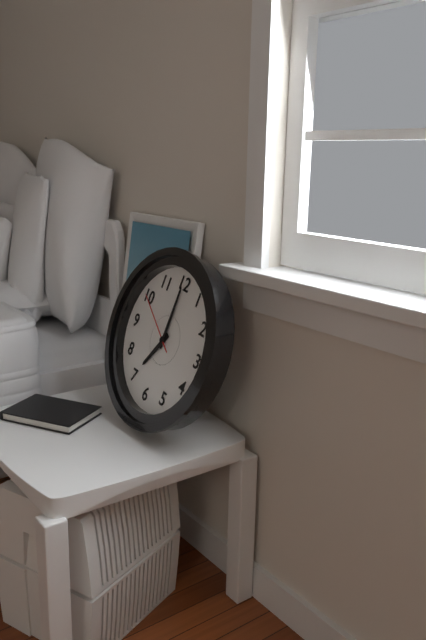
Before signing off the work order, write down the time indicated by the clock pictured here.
7:00:50
